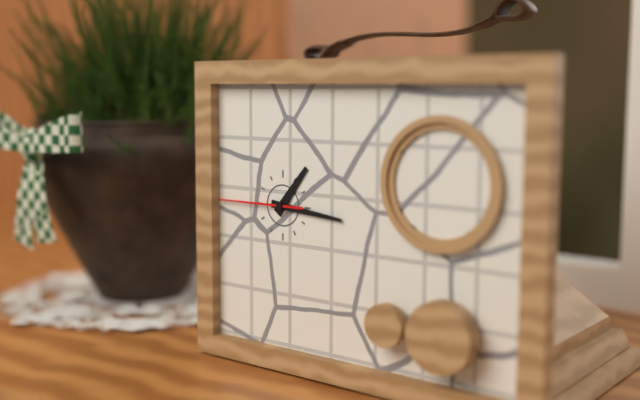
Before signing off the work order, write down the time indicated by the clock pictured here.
1:16:45
